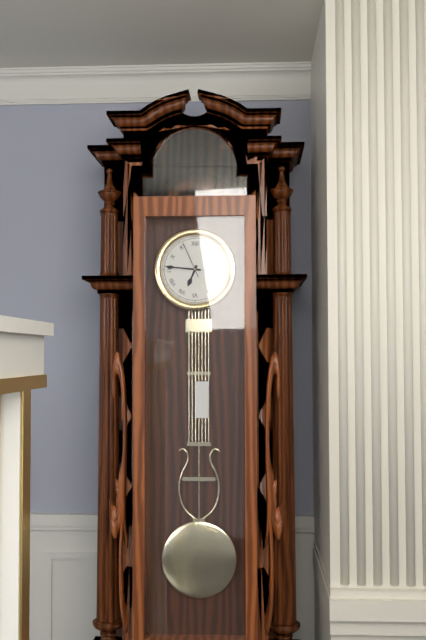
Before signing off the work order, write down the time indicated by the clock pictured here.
6:46
